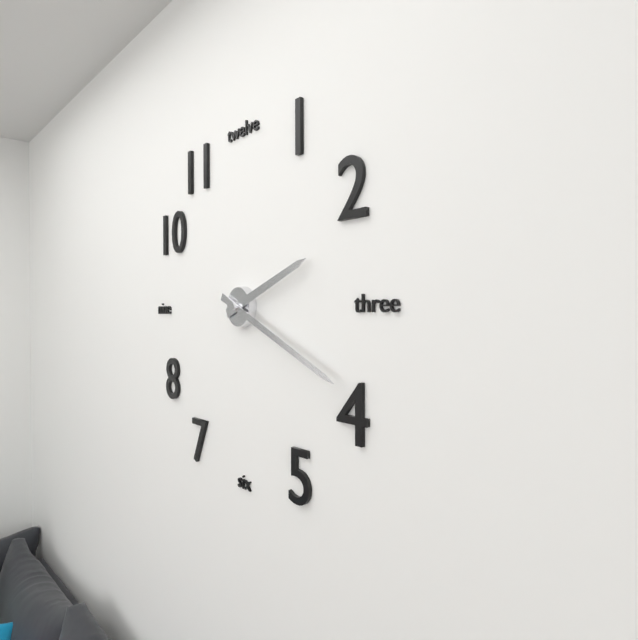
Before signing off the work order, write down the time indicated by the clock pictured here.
2:19
